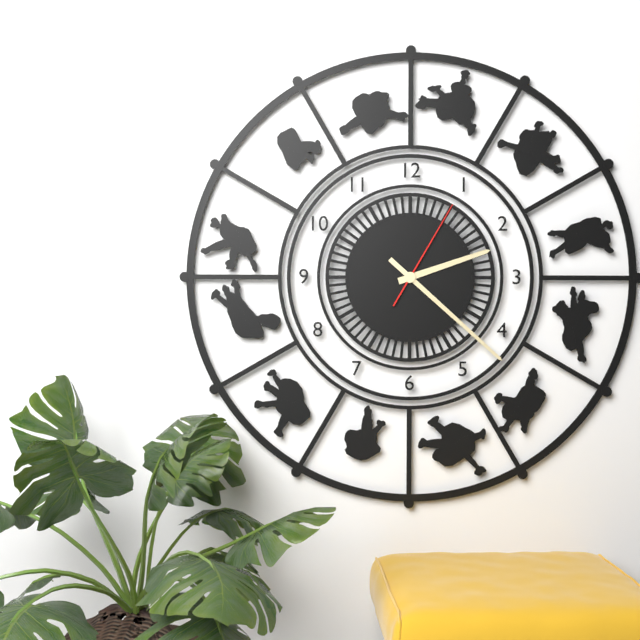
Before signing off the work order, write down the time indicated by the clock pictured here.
2:22:05
